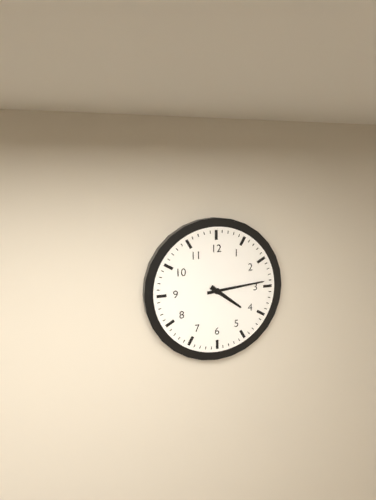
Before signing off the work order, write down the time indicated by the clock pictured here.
4:14
